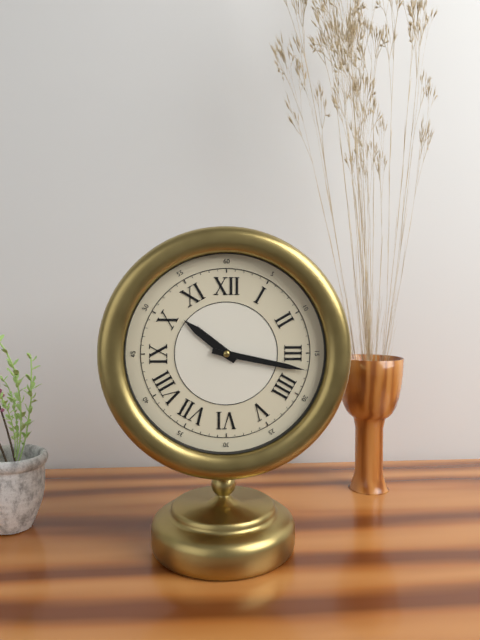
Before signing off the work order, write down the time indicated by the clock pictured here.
10:17
